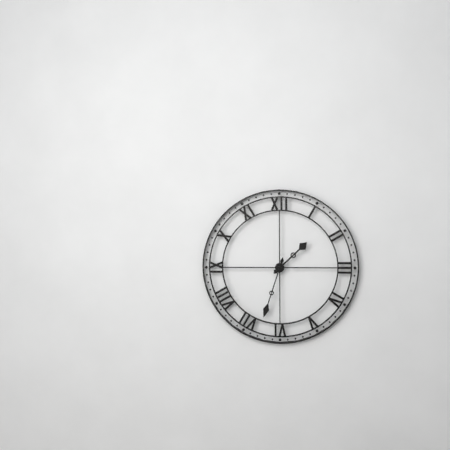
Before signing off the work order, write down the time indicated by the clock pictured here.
1:33
